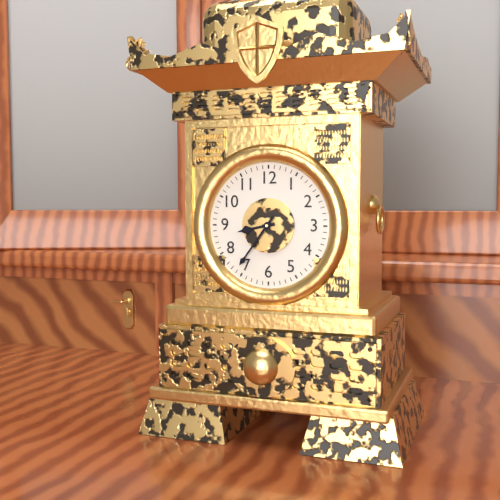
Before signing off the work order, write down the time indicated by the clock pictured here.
8:36
